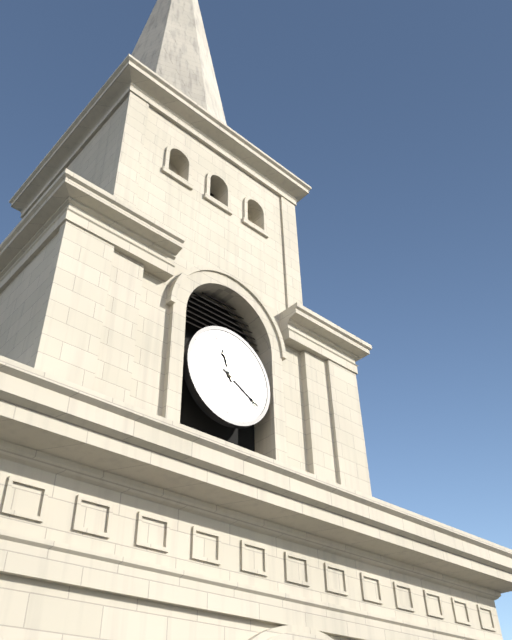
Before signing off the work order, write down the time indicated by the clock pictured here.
11:20
